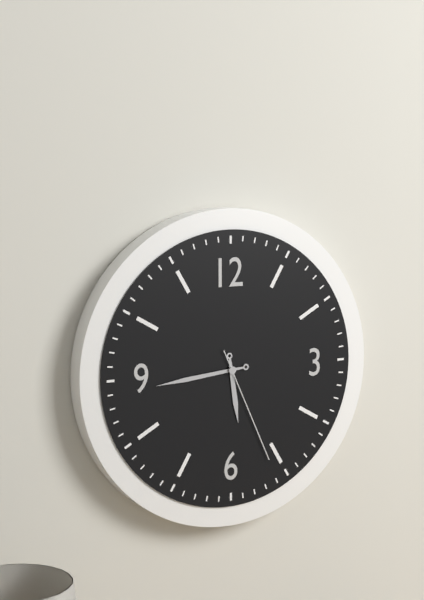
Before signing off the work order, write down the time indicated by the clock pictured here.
5:44:26
